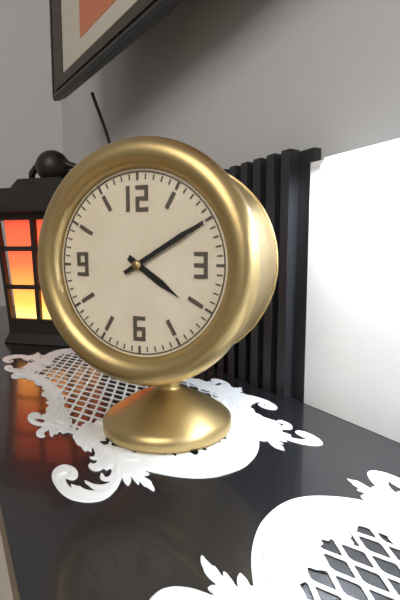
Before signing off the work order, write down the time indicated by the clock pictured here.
4:10
